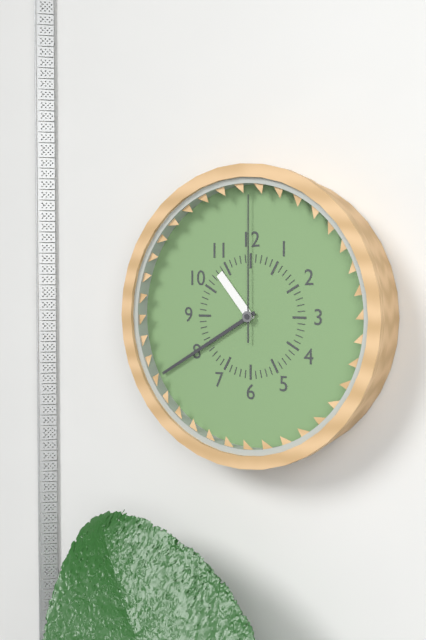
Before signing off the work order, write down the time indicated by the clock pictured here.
10:40:00
